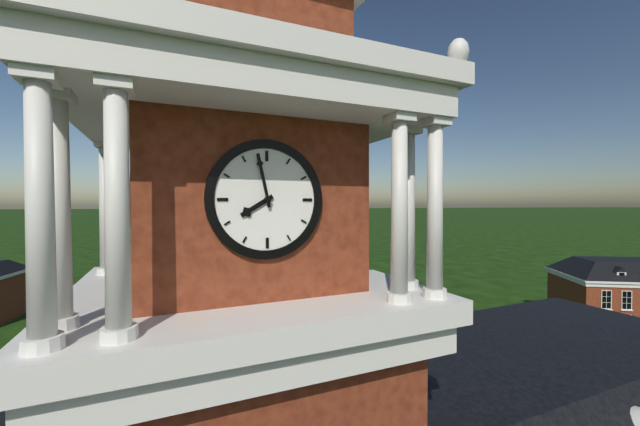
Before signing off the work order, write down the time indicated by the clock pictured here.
7:58
